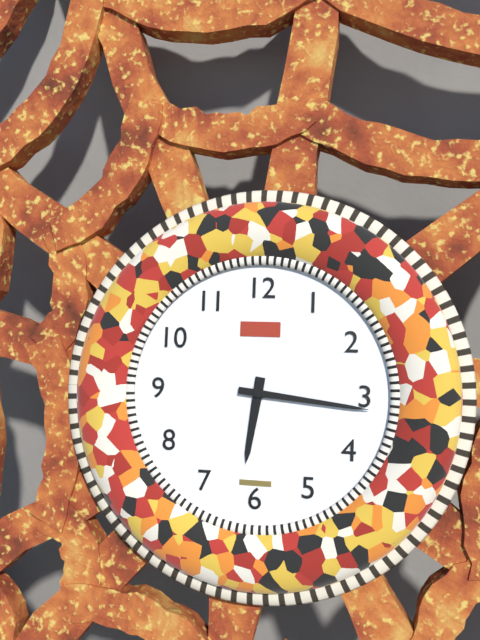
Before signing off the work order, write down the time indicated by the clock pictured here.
6:16
